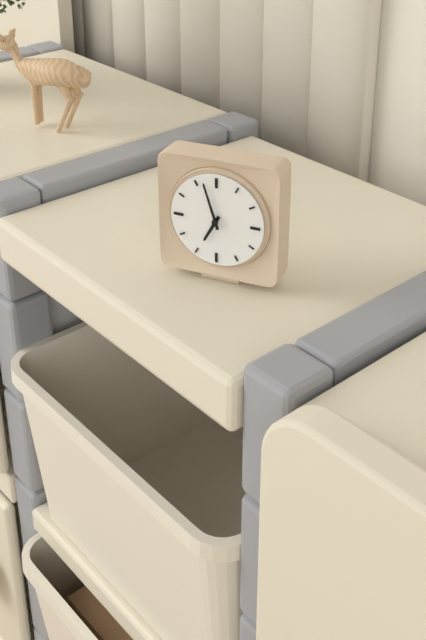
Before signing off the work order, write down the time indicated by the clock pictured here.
6:57
